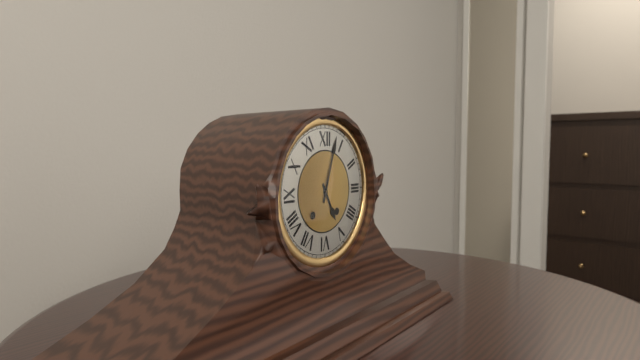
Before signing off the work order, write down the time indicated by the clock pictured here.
5:03
